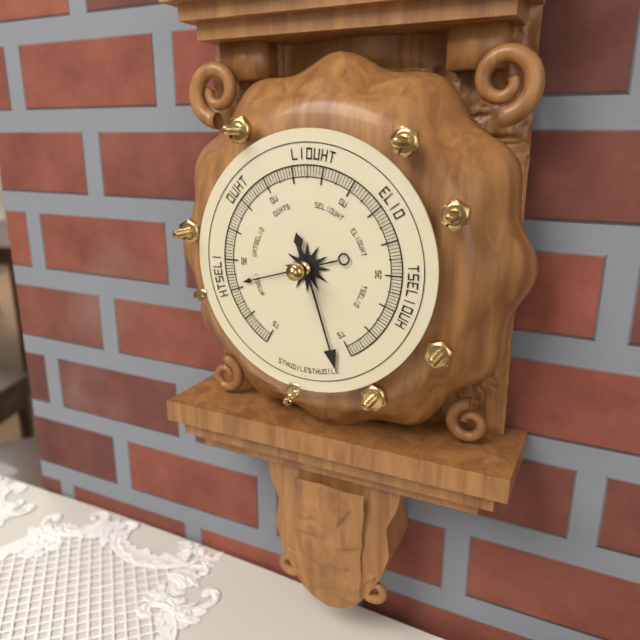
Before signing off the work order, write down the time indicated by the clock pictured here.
8:27
